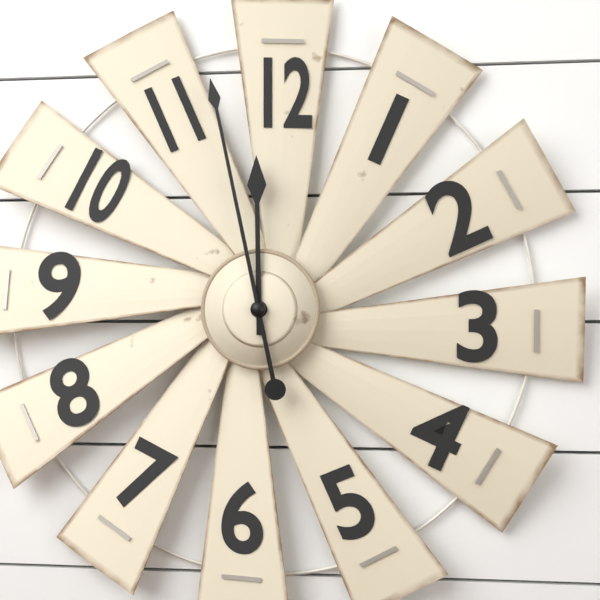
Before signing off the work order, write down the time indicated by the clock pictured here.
11:58
